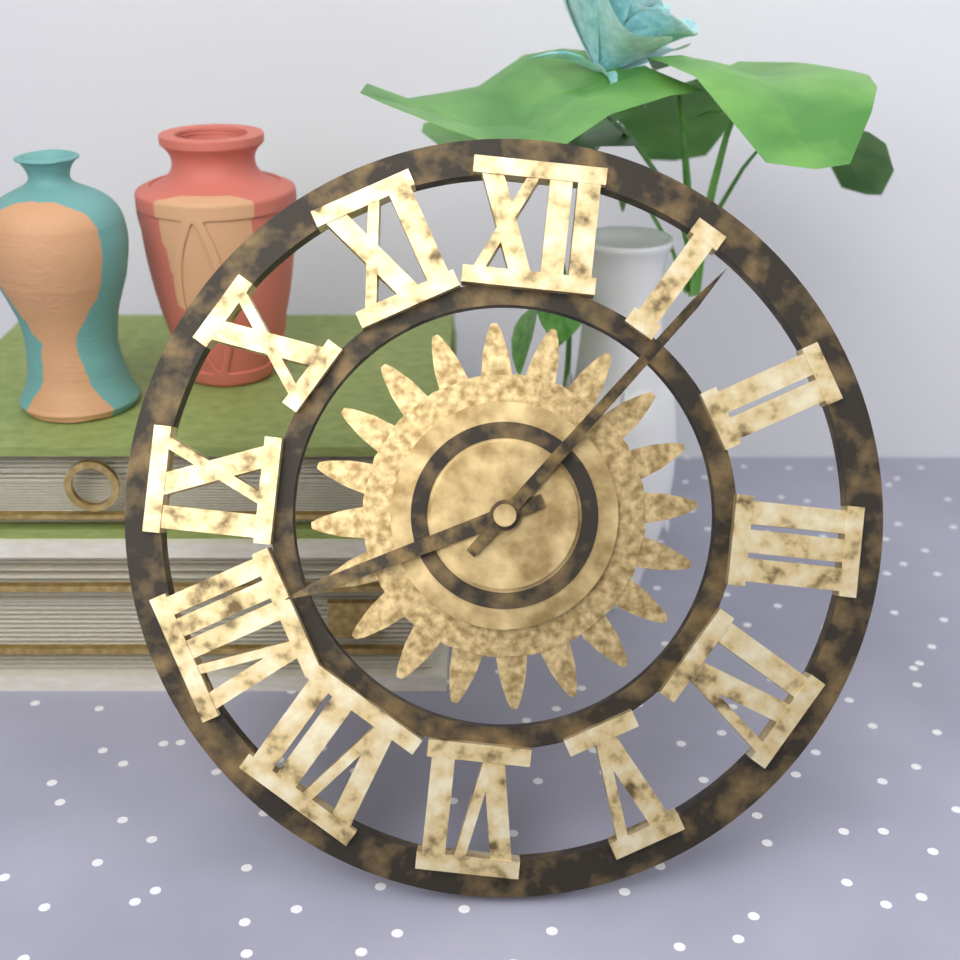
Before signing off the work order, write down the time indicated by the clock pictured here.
8:06
